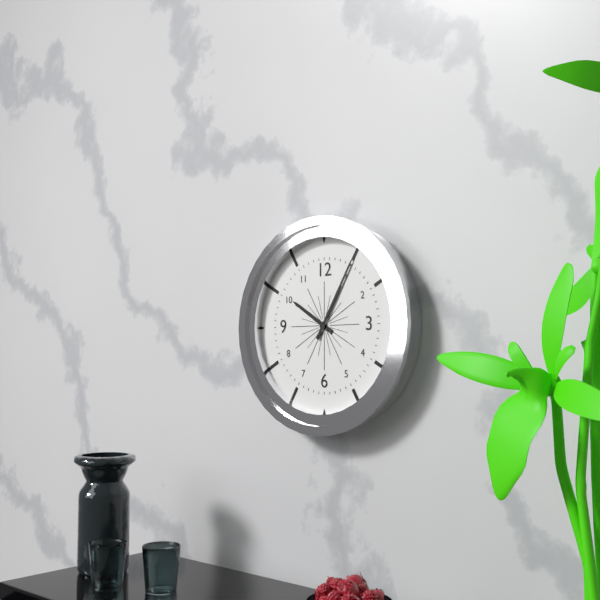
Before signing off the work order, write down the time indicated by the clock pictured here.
10:05
